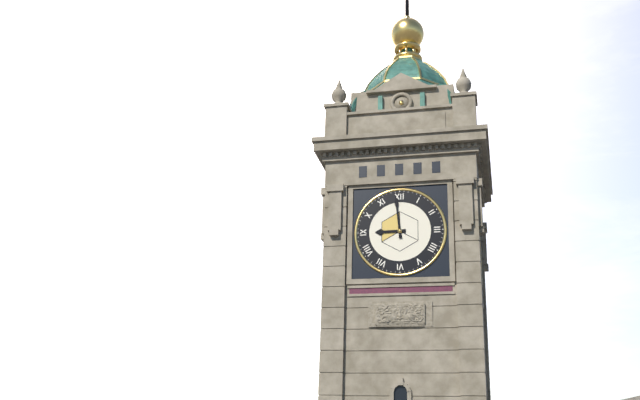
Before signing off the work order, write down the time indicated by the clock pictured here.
8:59
